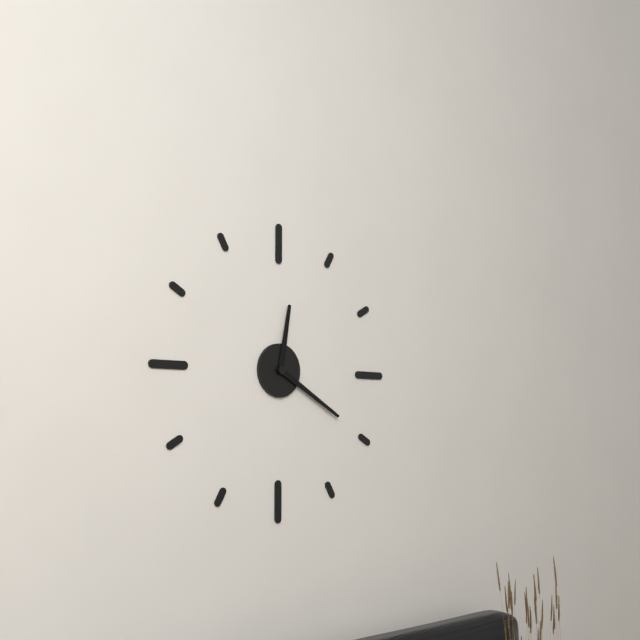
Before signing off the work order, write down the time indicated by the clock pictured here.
12:20
